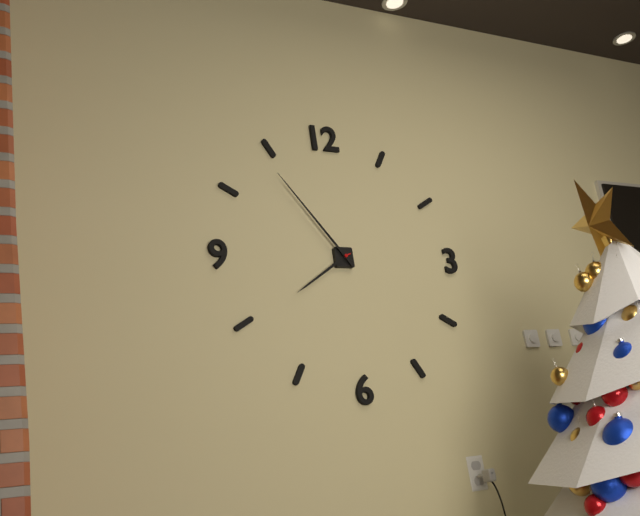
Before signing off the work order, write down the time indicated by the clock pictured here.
7:54
